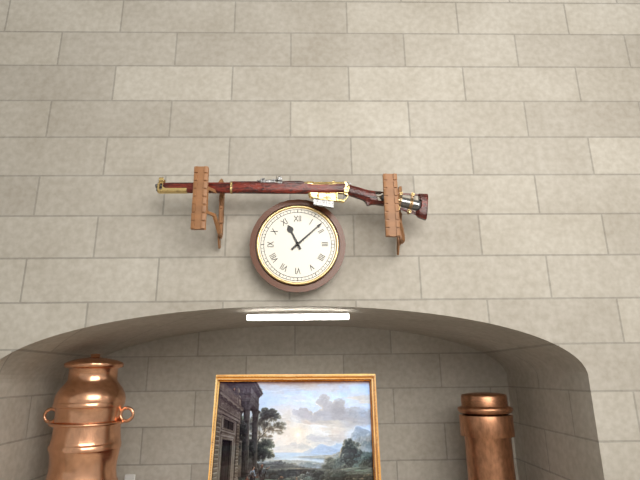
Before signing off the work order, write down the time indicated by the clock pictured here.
11:08
